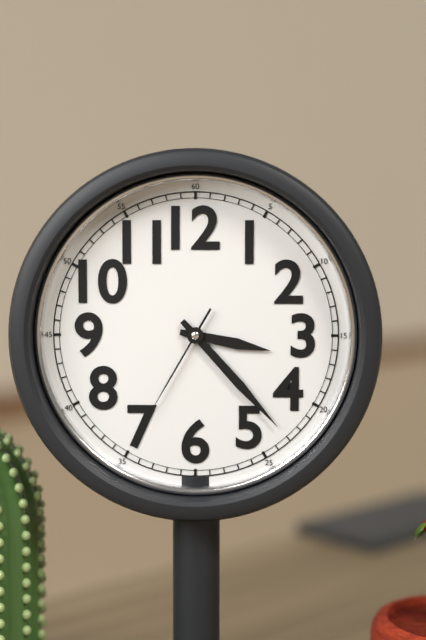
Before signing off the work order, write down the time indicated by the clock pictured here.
3:23:35
